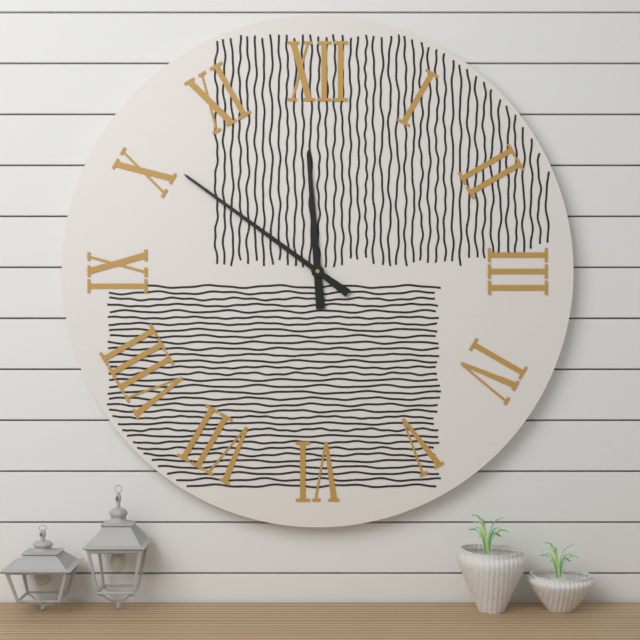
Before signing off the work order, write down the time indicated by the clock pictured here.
11:51
